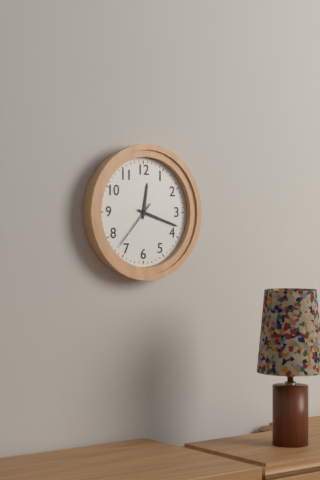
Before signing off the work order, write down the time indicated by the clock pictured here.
12:18:37
